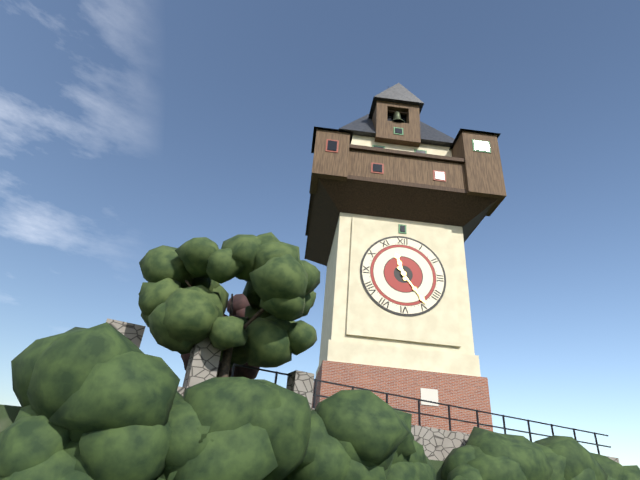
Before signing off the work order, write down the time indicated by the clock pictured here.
11:24
